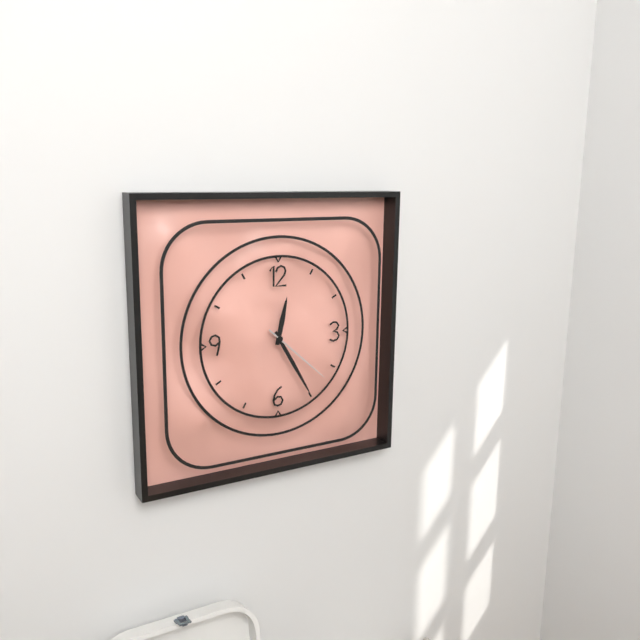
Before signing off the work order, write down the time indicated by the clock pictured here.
12:25:22
